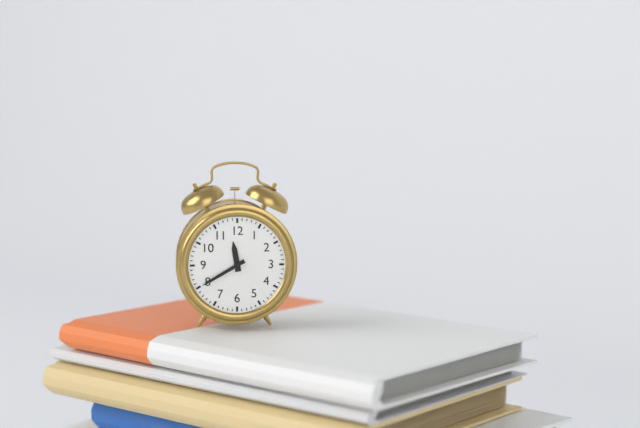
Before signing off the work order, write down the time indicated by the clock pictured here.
11:40
